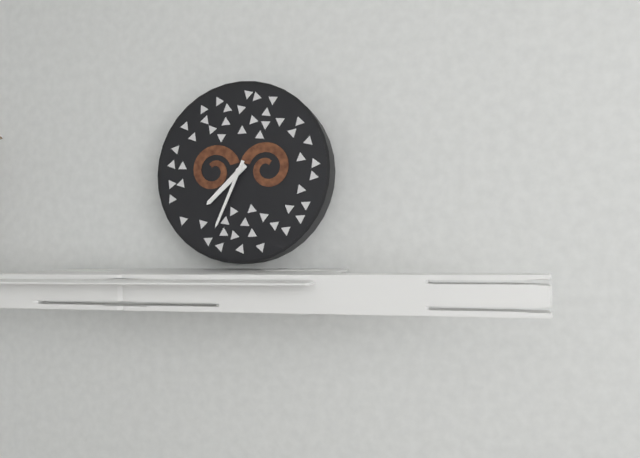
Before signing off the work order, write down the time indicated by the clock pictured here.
7:34
